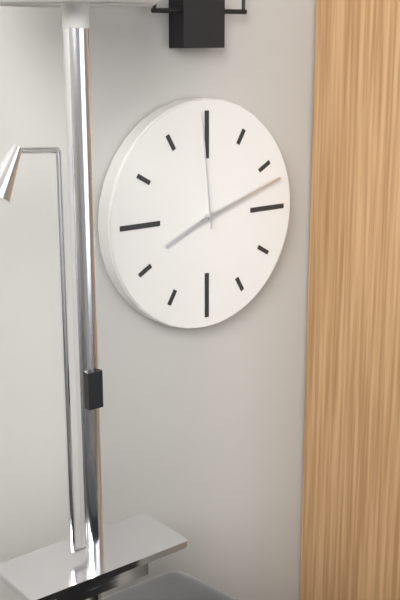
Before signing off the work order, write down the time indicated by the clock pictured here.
8:12:59
